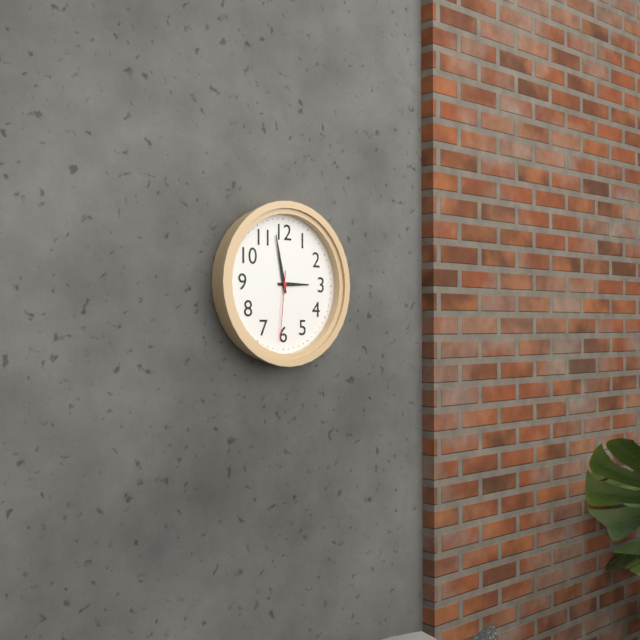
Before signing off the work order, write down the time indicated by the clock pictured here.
2:58:31
